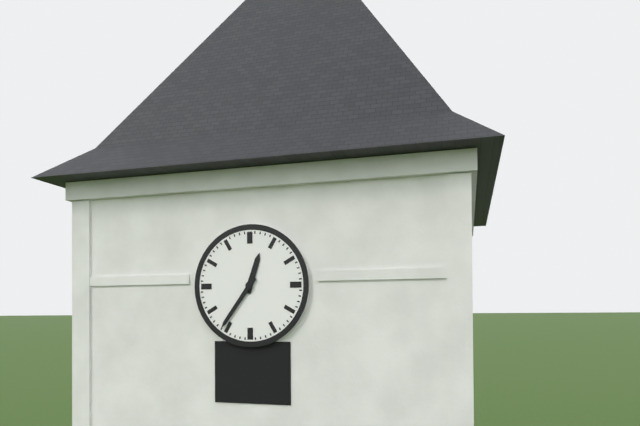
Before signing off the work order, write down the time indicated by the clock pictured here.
12:36
